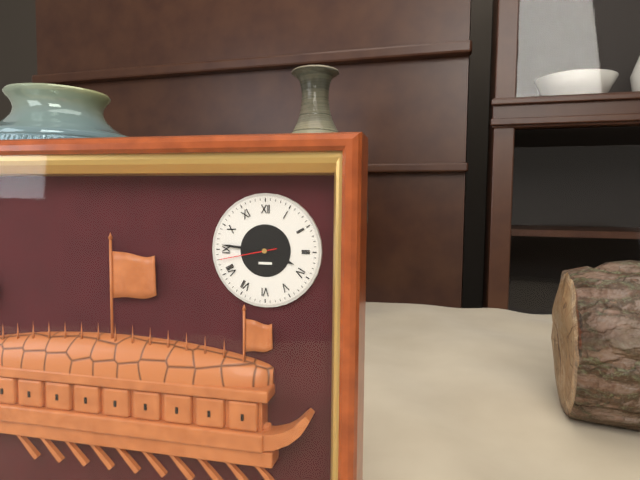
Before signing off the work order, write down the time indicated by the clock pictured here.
3:46:43
